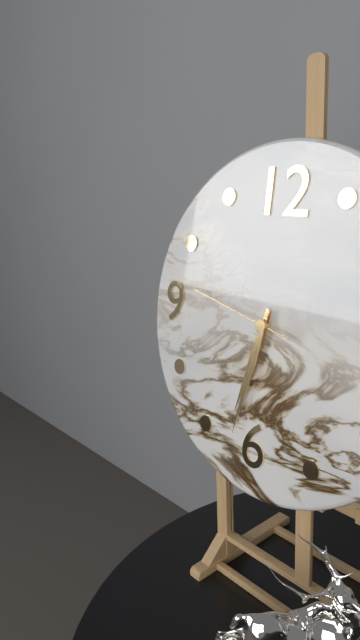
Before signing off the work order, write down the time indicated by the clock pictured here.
6:32:47
